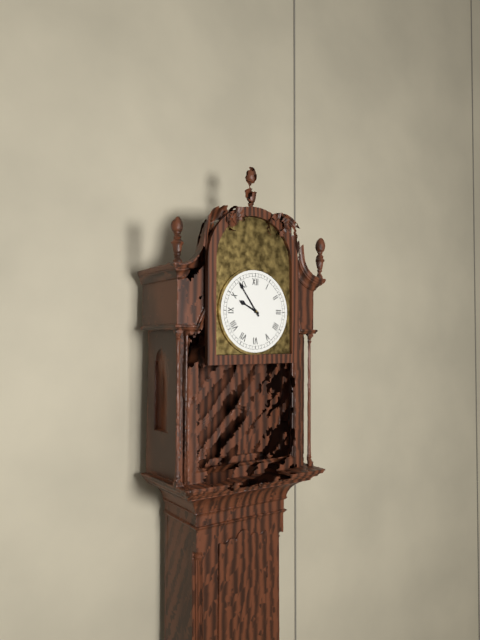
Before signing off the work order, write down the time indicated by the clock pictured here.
9:54
